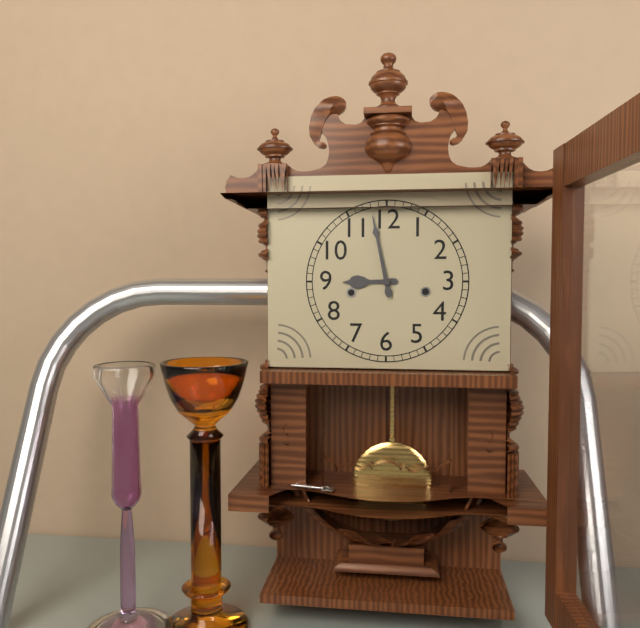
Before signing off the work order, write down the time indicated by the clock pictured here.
8:58
